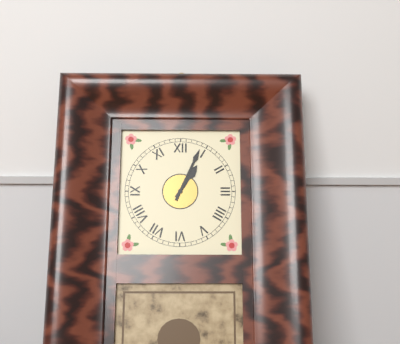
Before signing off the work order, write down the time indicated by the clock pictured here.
1:04
